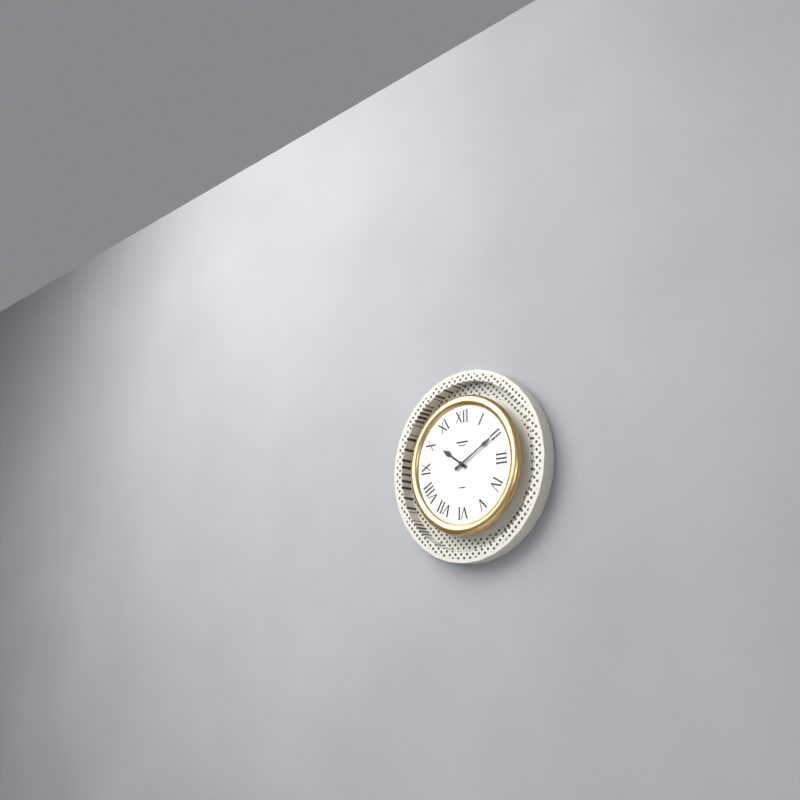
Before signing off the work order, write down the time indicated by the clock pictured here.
10:10
